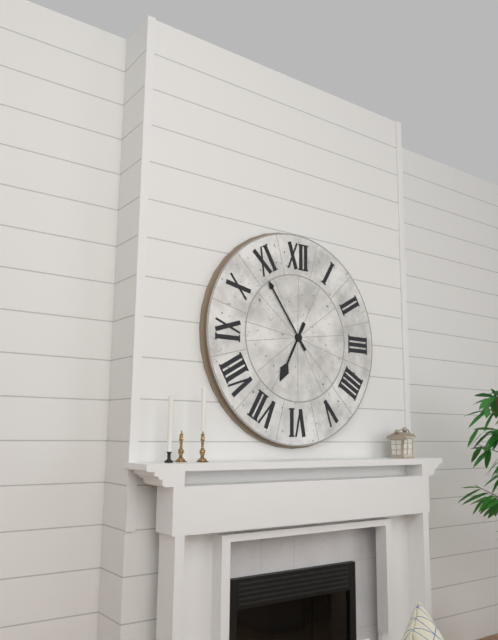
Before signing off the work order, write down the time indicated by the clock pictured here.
6:54
